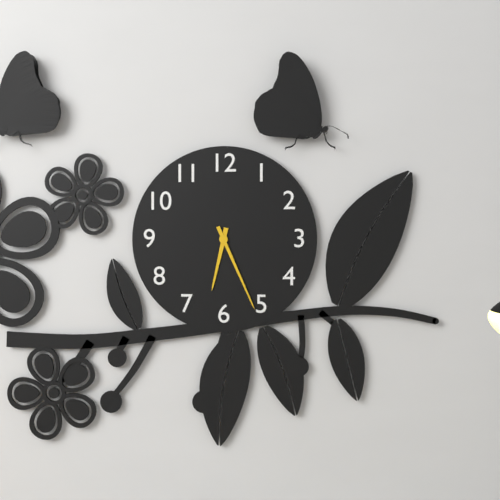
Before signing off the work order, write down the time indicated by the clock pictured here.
6:26
